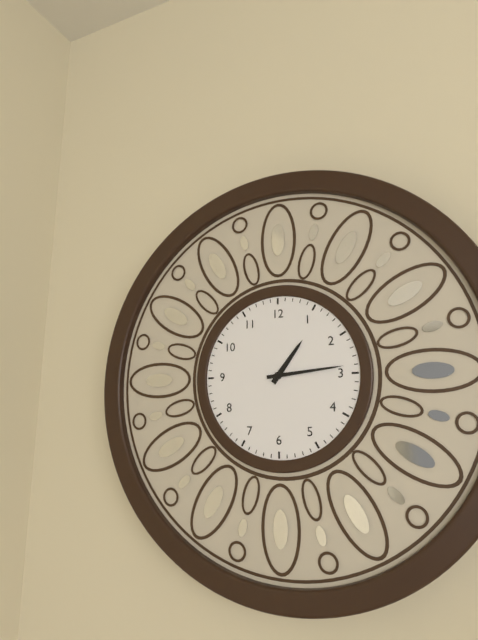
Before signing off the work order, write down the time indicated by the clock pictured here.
1:14
